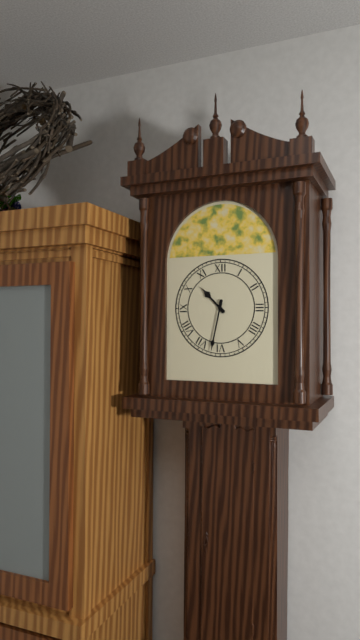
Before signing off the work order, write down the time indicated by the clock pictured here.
10:32
